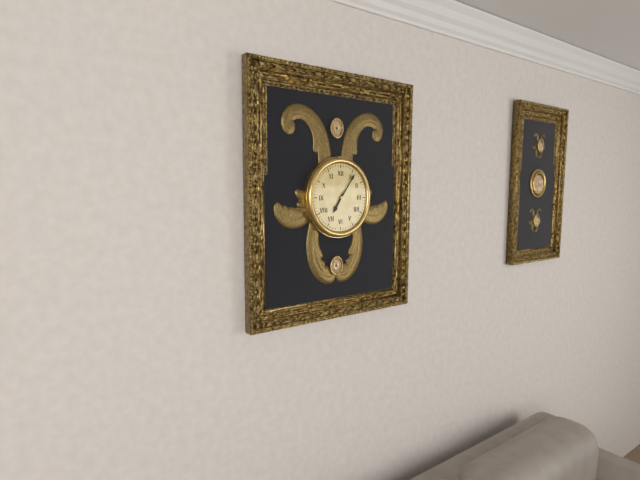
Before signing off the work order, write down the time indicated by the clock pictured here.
7:06
